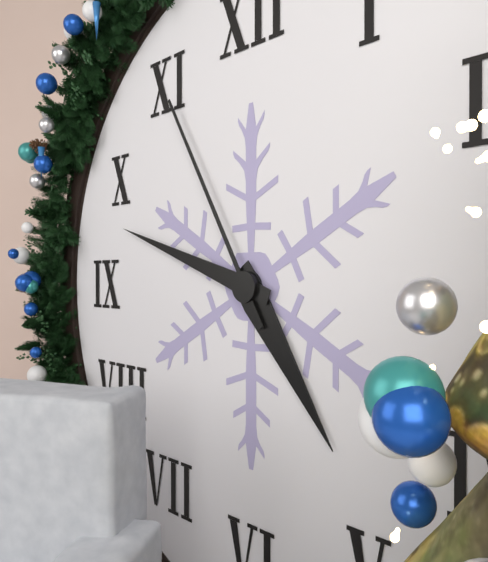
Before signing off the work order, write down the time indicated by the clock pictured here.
4:48:55
